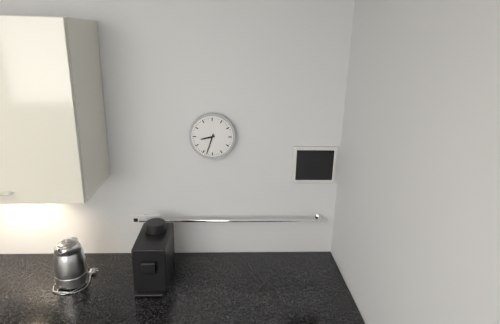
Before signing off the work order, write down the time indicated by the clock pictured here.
8:33
